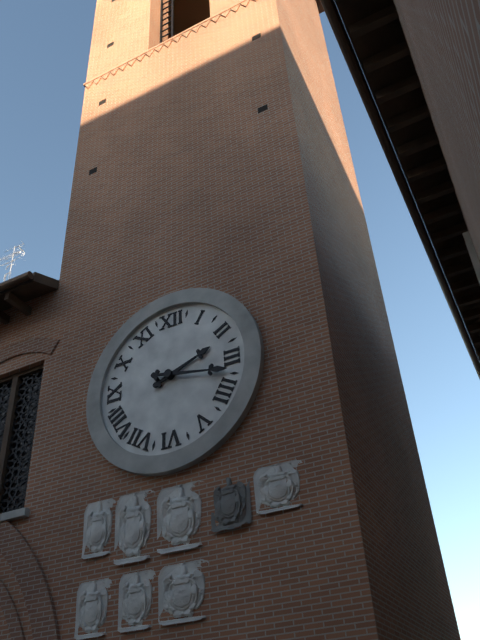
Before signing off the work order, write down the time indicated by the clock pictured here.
2:17
